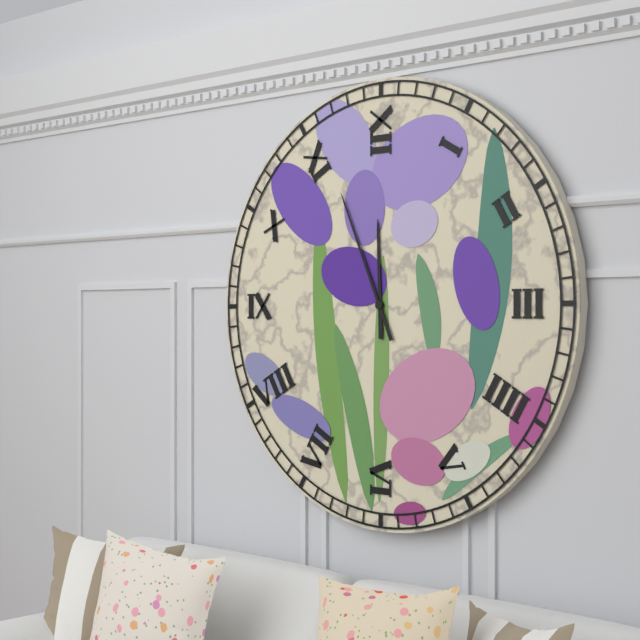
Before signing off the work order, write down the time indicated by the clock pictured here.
11:56
